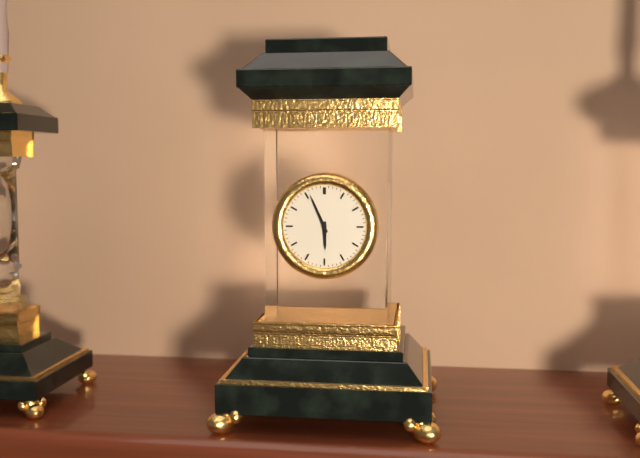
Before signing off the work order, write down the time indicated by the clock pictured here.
5:56
